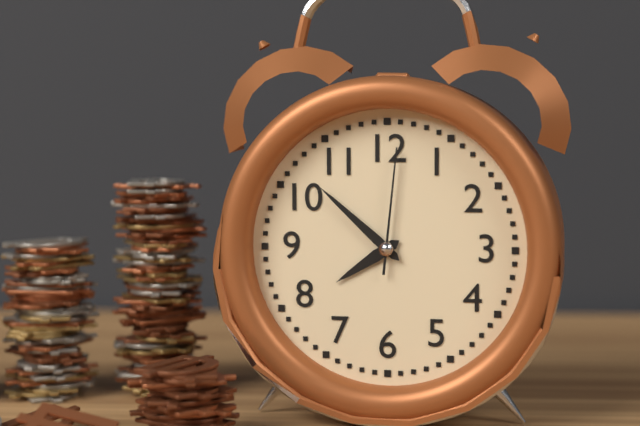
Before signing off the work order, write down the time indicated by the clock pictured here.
7:52:01
